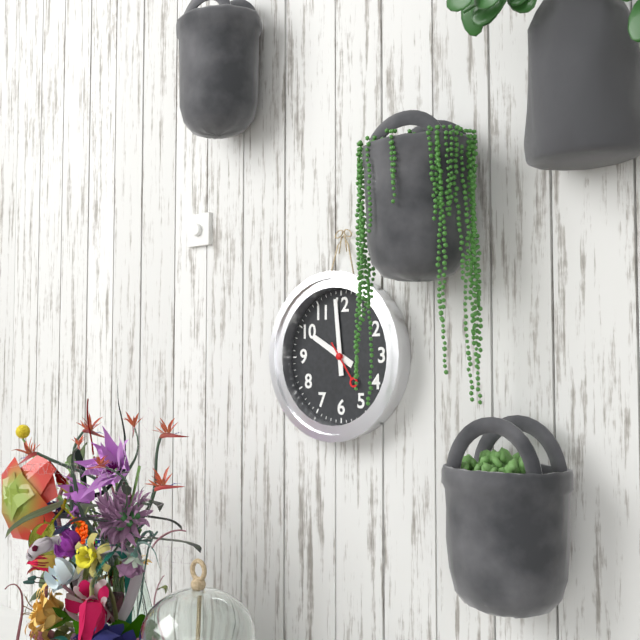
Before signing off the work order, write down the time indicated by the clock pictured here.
9:59
